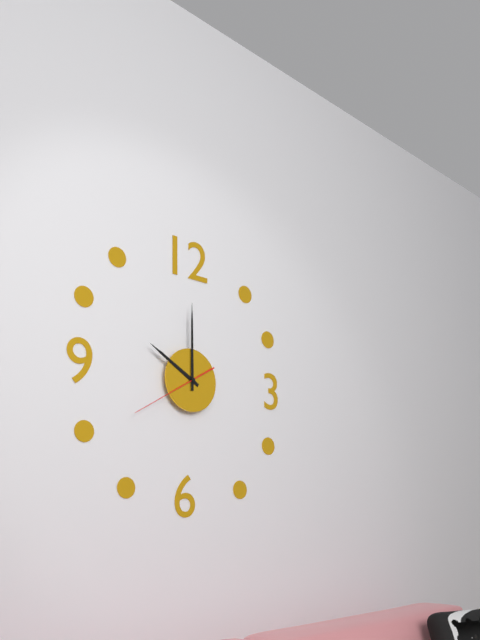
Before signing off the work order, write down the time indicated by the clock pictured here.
10:00:40
